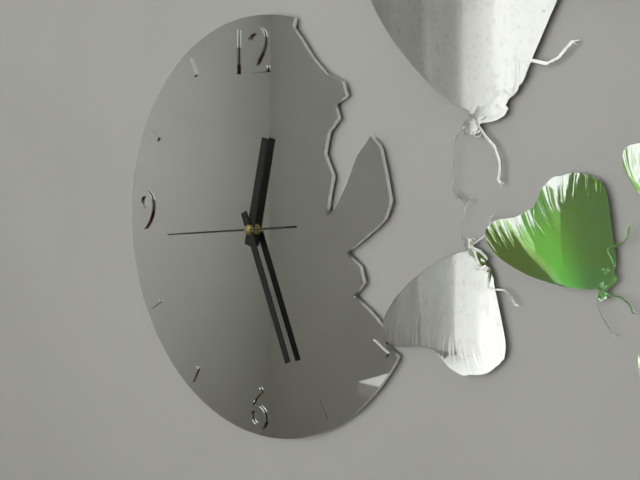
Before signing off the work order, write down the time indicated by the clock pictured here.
12:26:44
